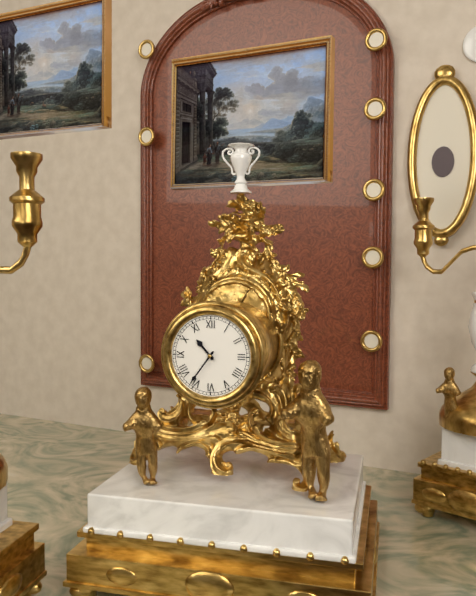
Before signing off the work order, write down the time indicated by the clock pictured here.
10:36
